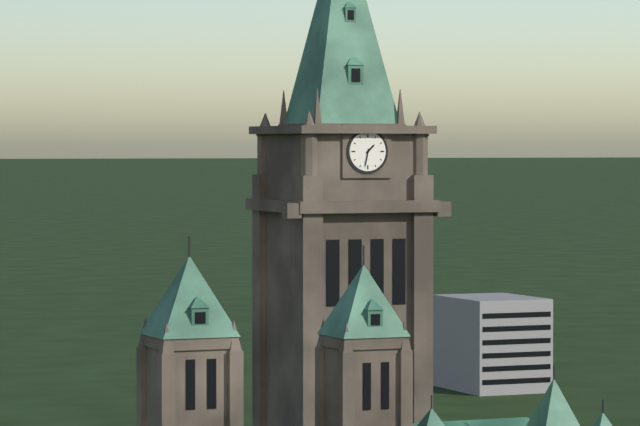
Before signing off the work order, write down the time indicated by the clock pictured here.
1:32
